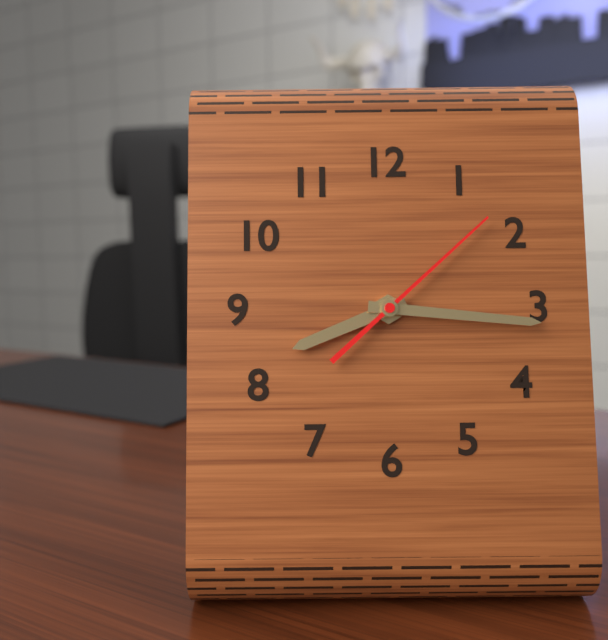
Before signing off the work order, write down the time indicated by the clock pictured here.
8:16:08
